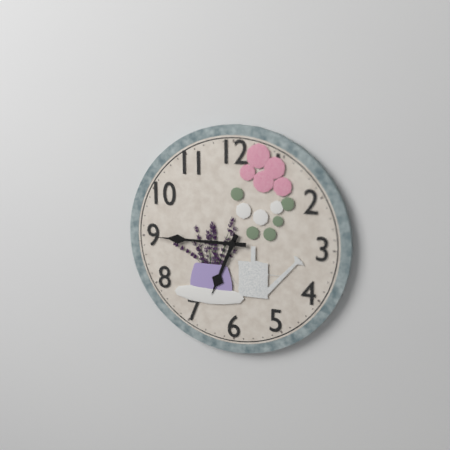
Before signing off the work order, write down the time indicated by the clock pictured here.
6:45
